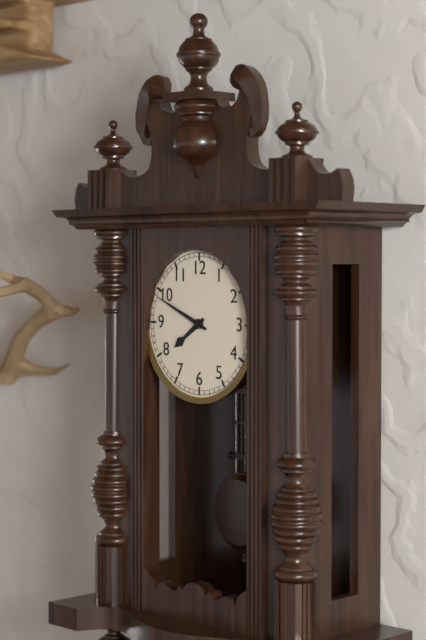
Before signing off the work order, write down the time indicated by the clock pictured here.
7:49
